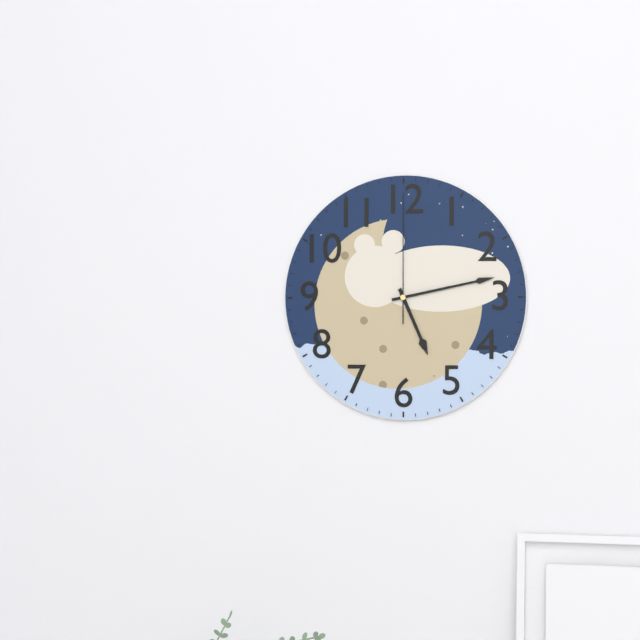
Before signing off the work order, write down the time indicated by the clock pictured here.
5:13:00
